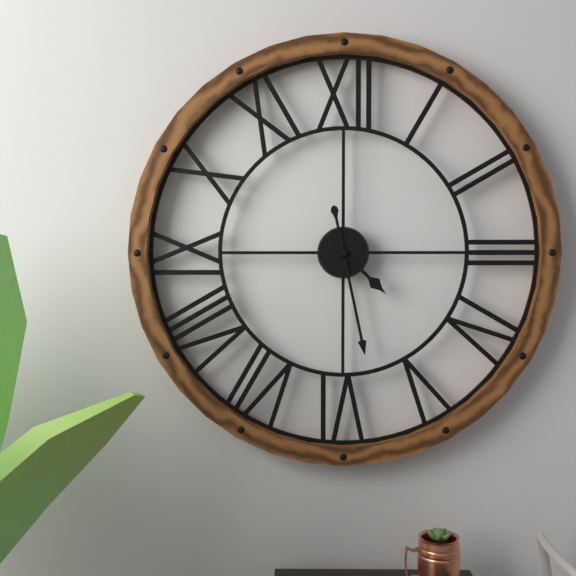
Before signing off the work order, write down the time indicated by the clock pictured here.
4:28
